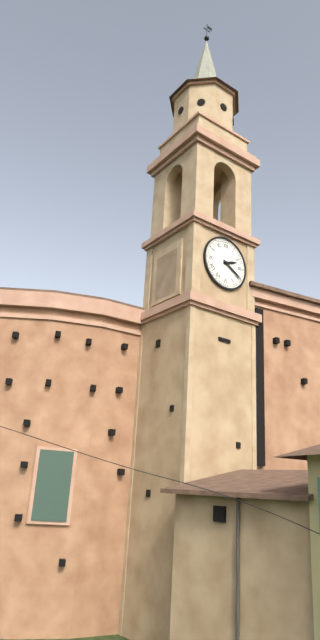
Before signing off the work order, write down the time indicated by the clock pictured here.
2:20
